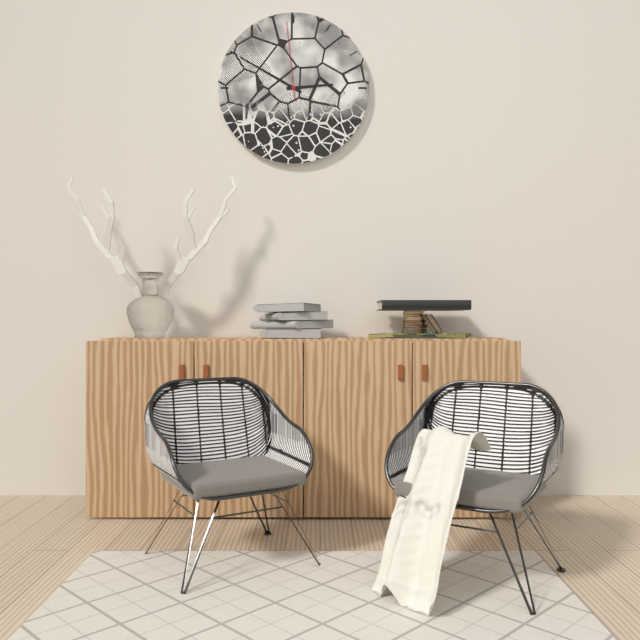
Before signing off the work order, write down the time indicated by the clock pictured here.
2:50:59
